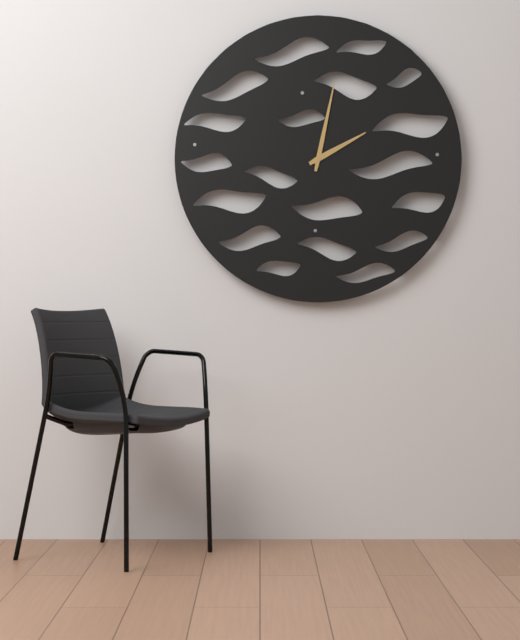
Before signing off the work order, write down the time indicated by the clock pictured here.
2:02
